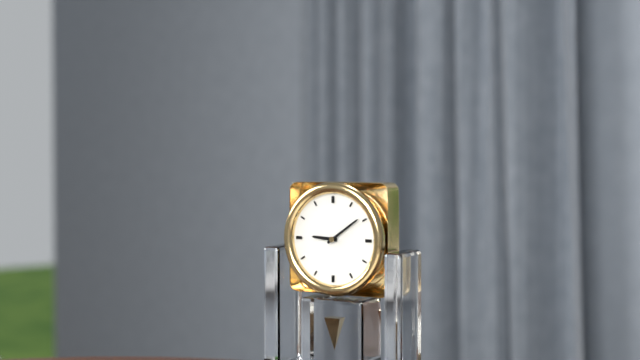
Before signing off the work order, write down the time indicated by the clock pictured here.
9:09
